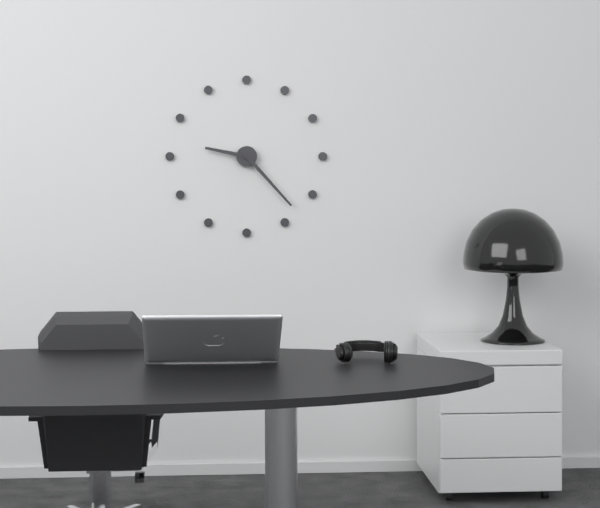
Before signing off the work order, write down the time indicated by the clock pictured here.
9:23
